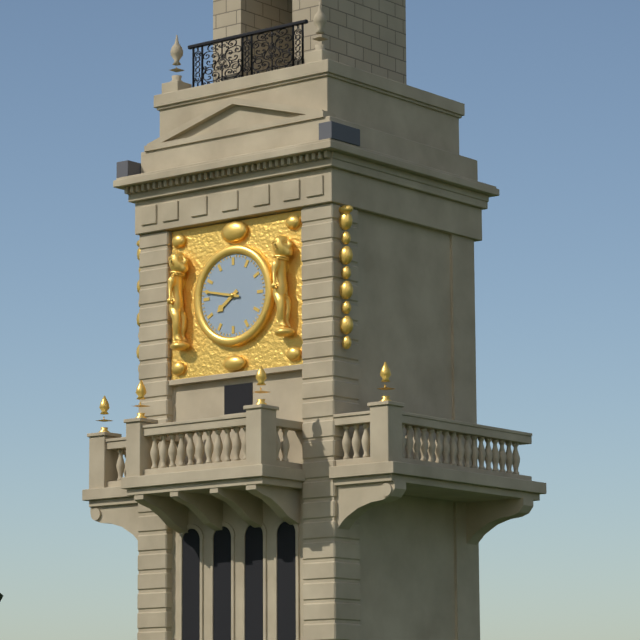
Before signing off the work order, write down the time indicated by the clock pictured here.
7:47
